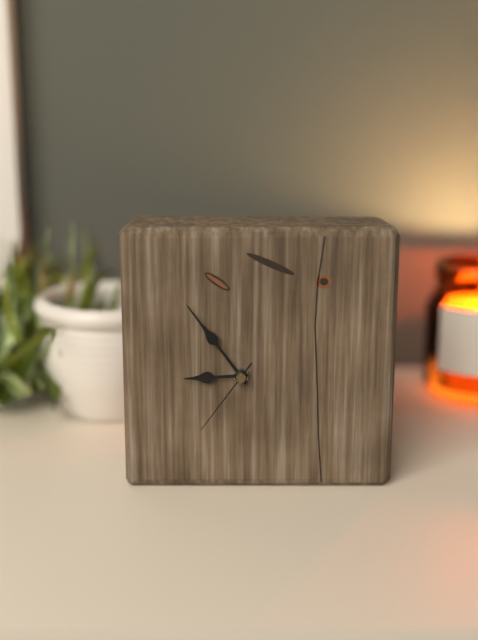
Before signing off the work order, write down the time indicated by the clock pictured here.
8:54:36
